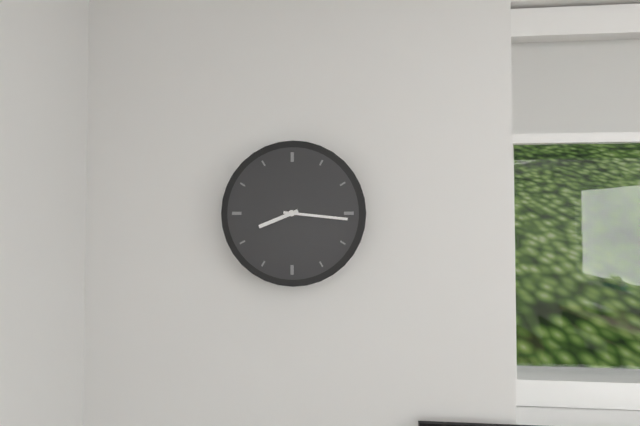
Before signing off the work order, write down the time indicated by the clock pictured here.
8:16
